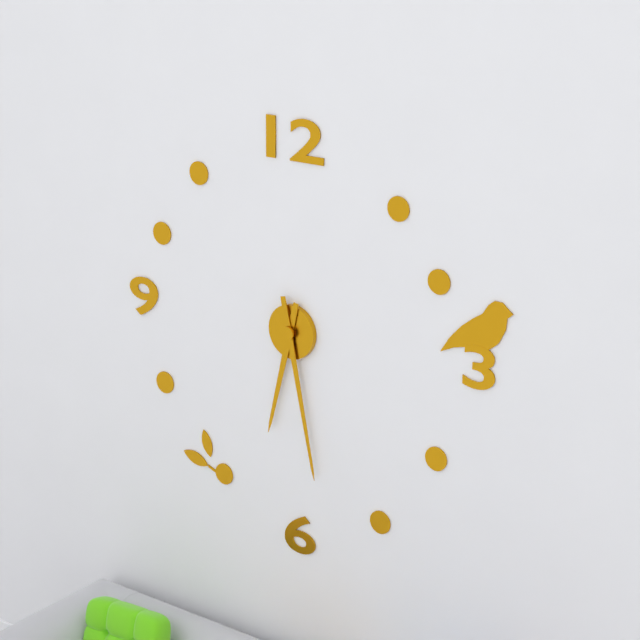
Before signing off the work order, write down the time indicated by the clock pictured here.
6:28
